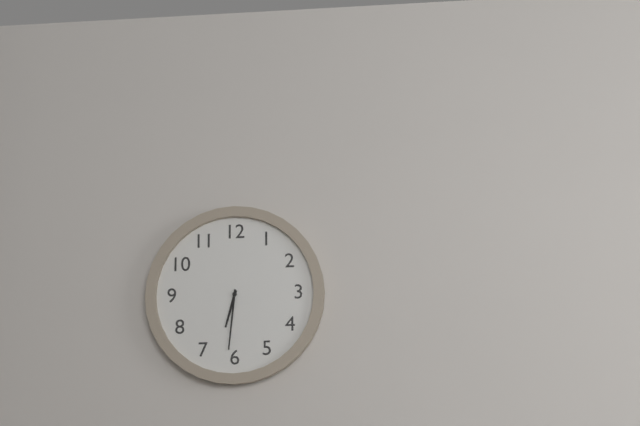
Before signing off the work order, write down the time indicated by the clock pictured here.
6:31
